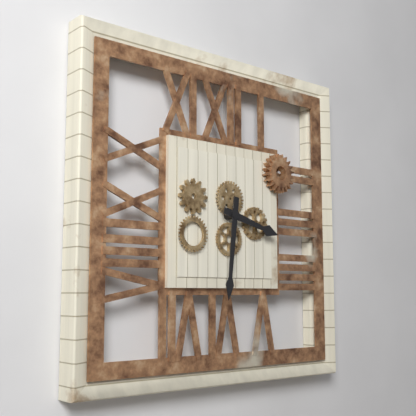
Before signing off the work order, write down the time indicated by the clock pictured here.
3:31
